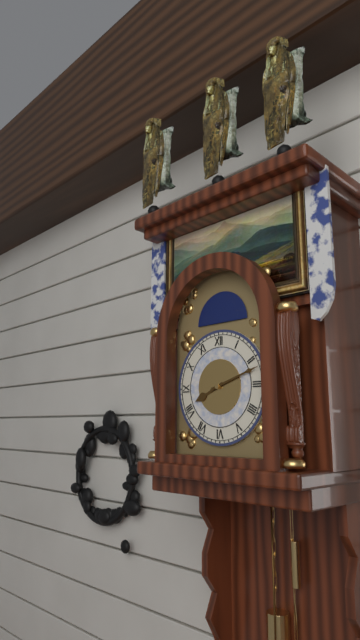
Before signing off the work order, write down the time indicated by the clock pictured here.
8:12
